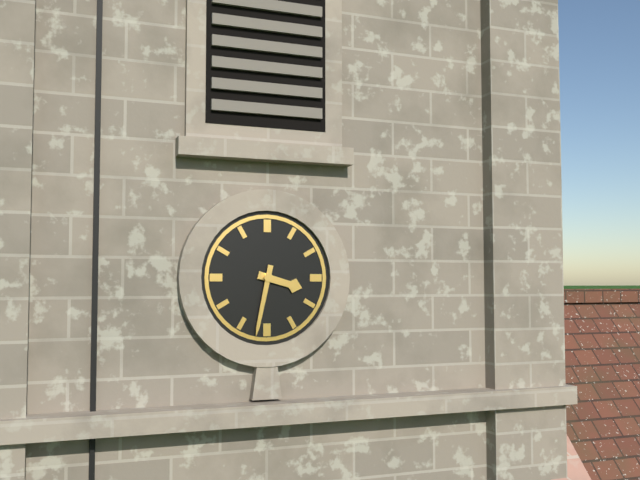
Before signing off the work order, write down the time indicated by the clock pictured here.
3:32
